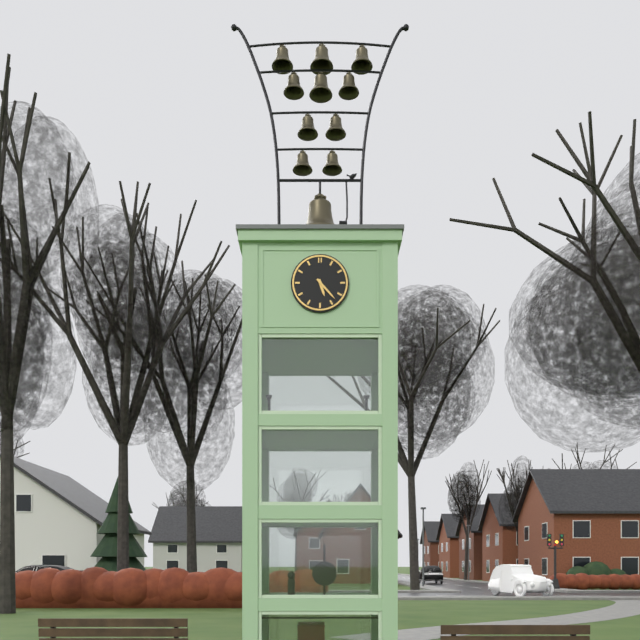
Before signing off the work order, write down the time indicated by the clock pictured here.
5:23
